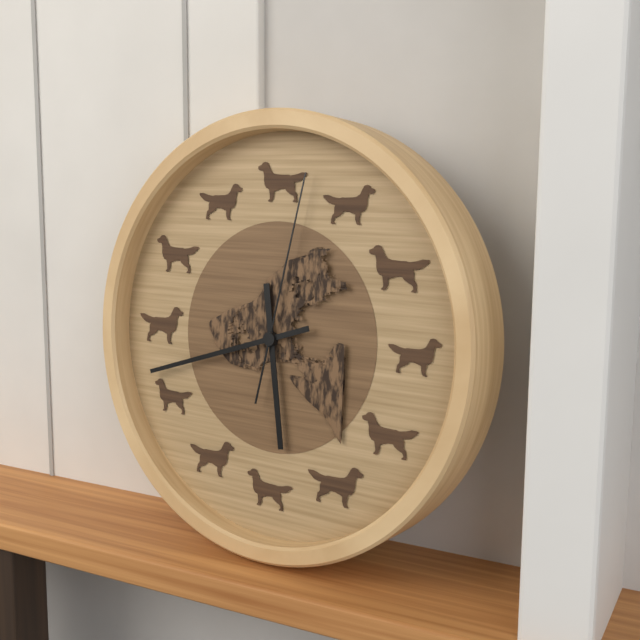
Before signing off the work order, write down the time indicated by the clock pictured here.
5:42:02
